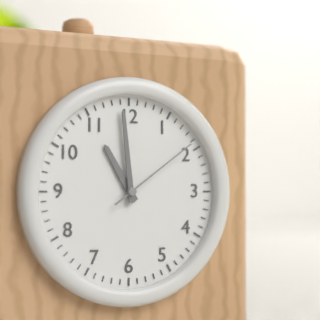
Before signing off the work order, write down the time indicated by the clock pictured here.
10:59:09
